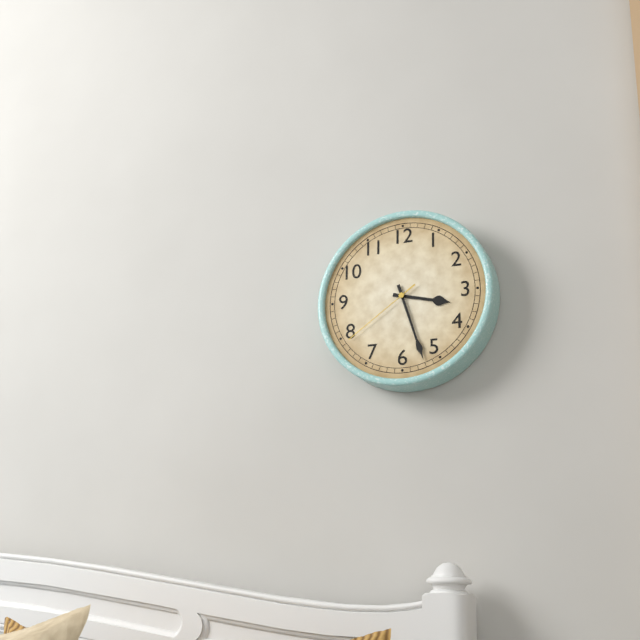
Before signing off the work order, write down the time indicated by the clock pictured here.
3:27:39
